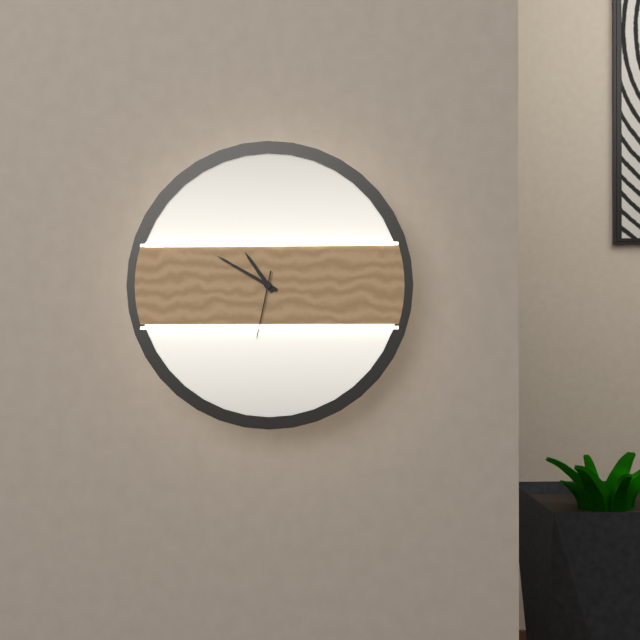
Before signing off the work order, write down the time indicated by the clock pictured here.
10:50:32
